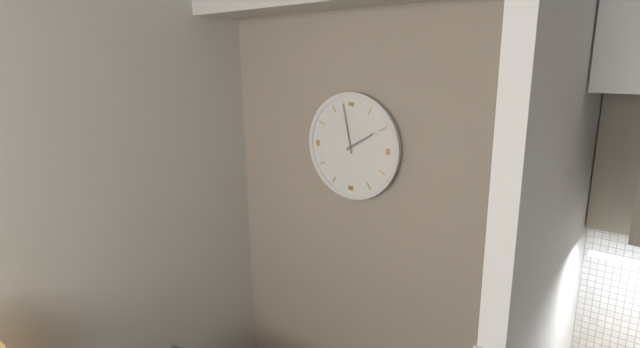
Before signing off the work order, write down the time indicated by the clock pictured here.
1:58
